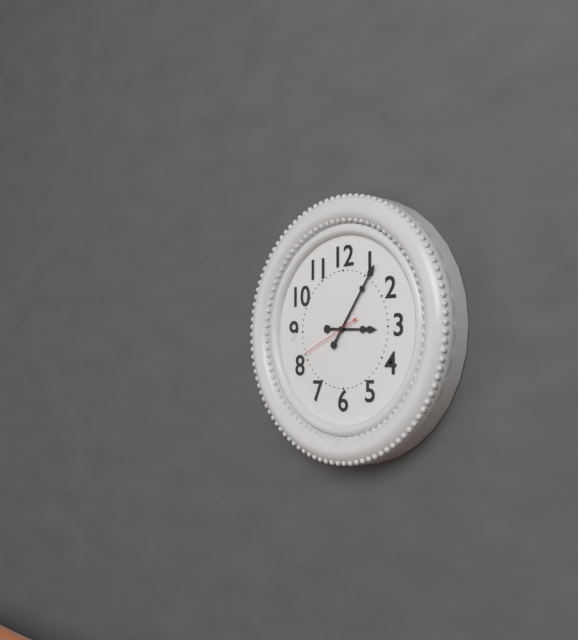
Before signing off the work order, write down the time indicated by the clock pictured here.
3:06:41
